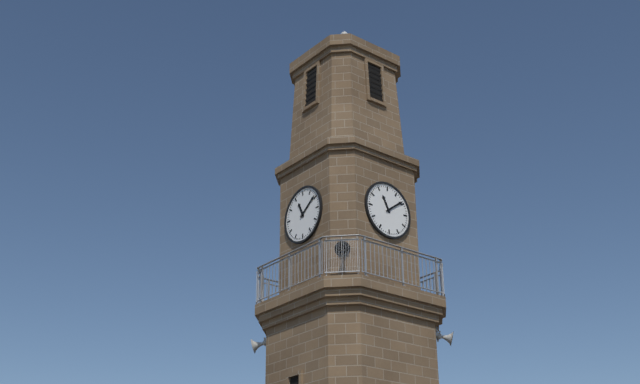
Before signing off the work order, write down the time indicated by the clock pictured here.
11:09
